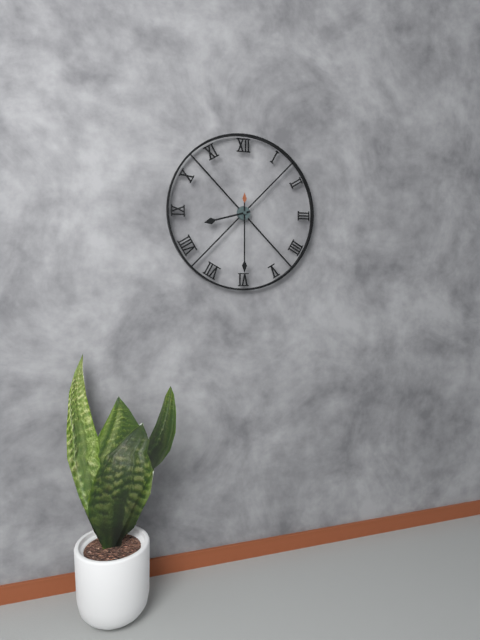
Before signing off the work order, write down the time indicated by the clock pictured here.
8:30
